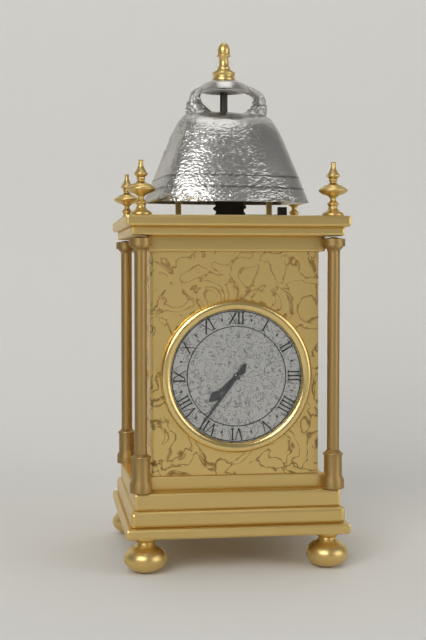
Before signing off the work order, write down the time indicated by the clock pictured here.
7:36
